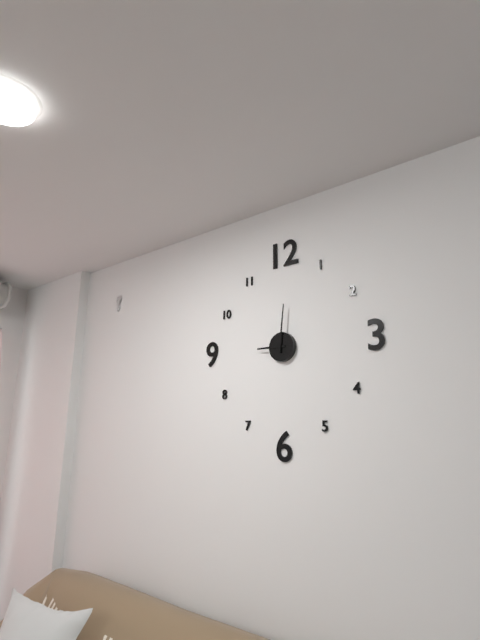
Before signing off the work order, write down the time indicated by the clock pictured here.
9:01
